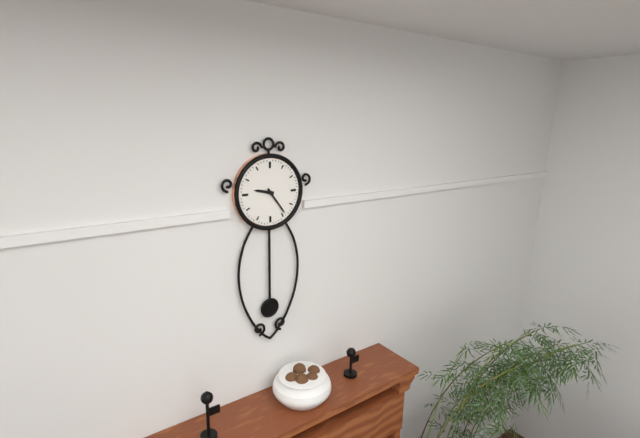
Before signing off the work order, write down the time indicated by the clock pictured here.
9:24
